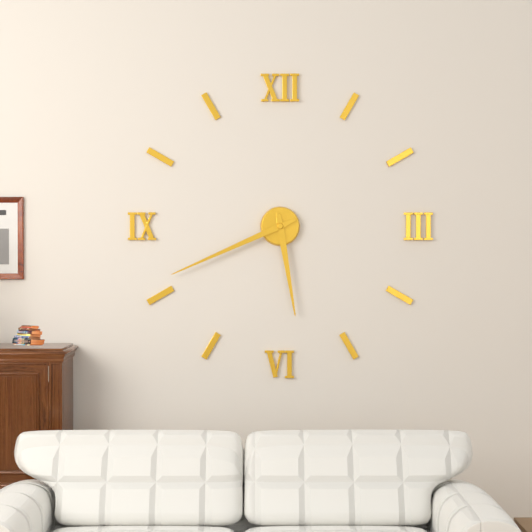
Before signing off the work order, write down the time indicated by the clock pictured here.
5:41
